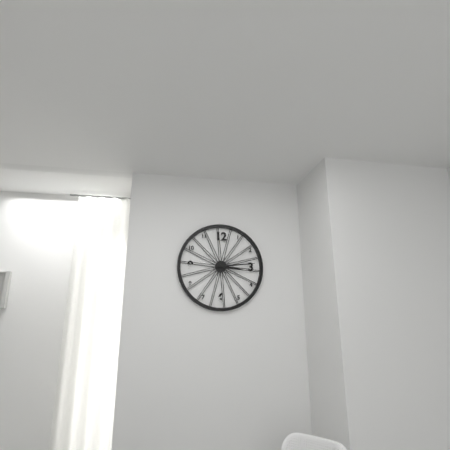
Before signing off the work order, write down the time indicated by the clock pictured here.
3:14
